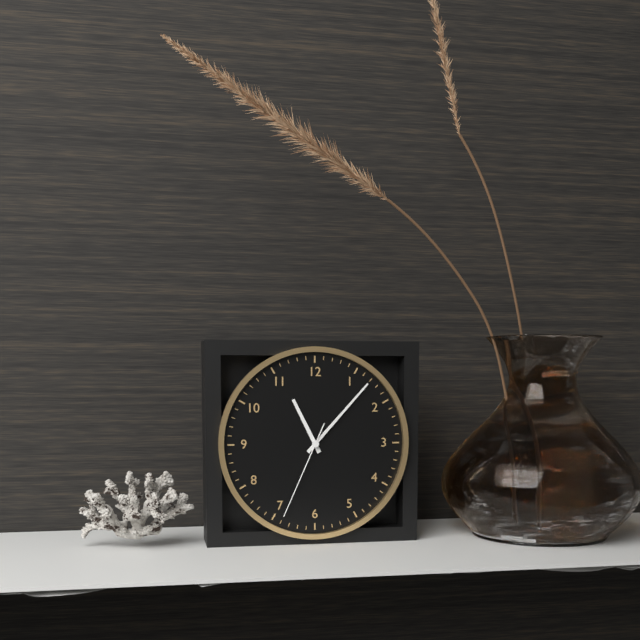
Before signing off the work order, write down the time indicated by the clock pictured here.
11:07:34
